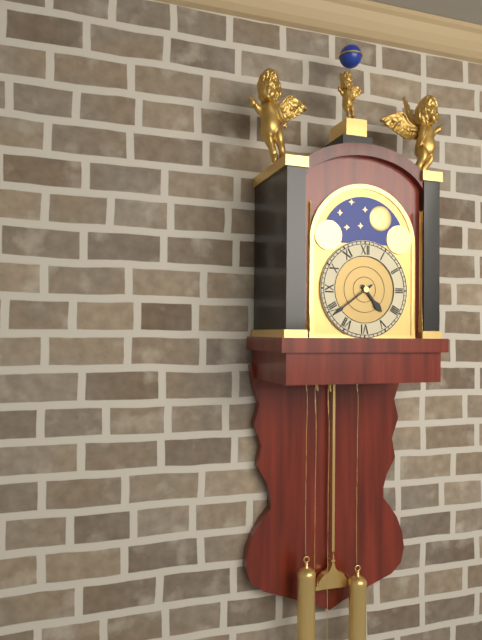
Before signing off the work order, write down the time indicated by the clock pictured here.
4:39
